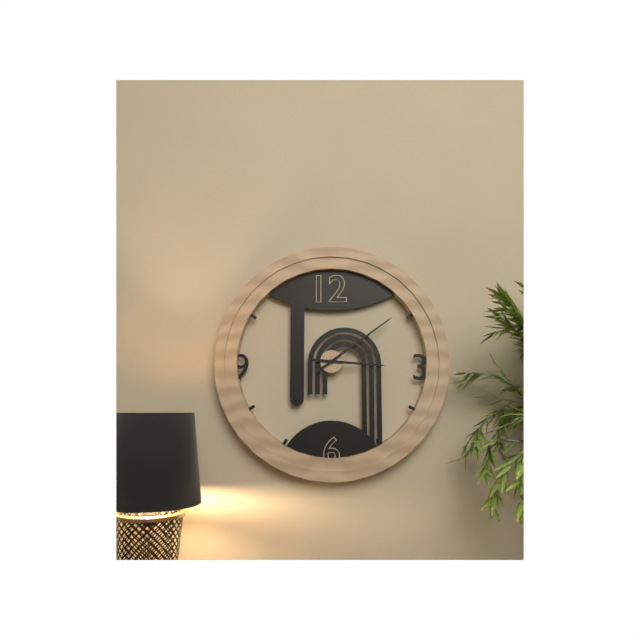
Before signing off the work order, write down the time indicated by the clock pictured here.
3:09
